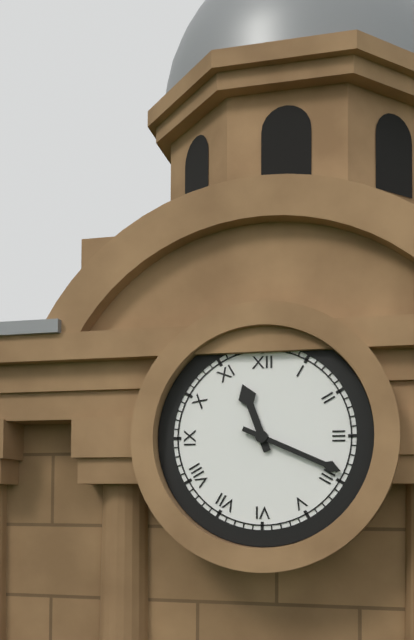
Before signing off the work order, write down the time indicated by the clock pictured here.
11:19
